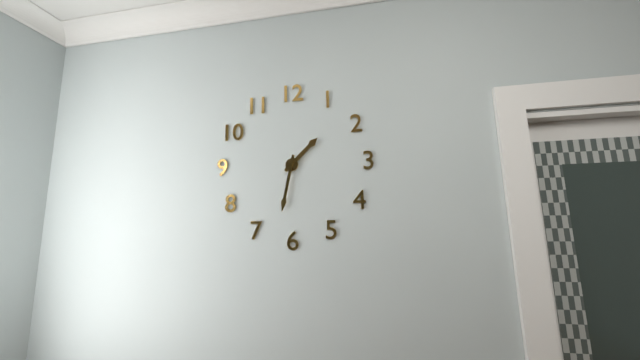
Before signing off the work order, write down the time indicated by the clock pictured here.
1:32
